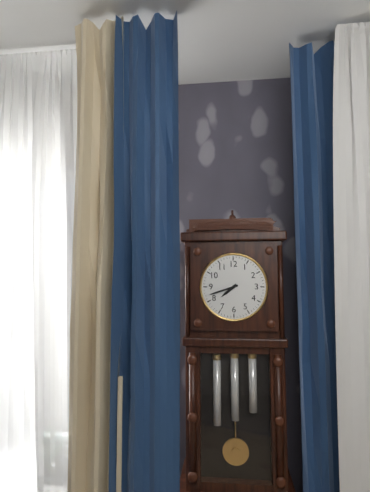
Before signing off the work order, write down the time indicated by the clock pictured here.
7:42
